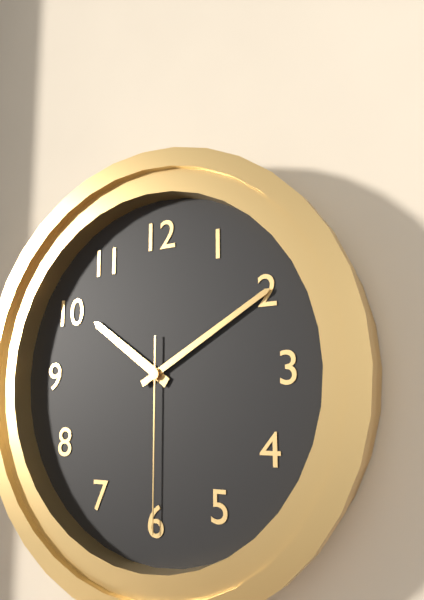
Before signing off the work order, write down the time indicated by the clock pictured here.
10:10:30
